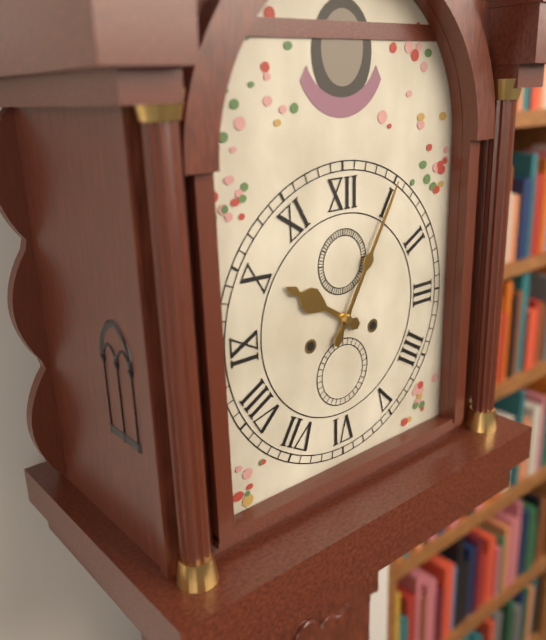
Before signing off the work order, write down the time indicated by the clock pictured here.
10:05
